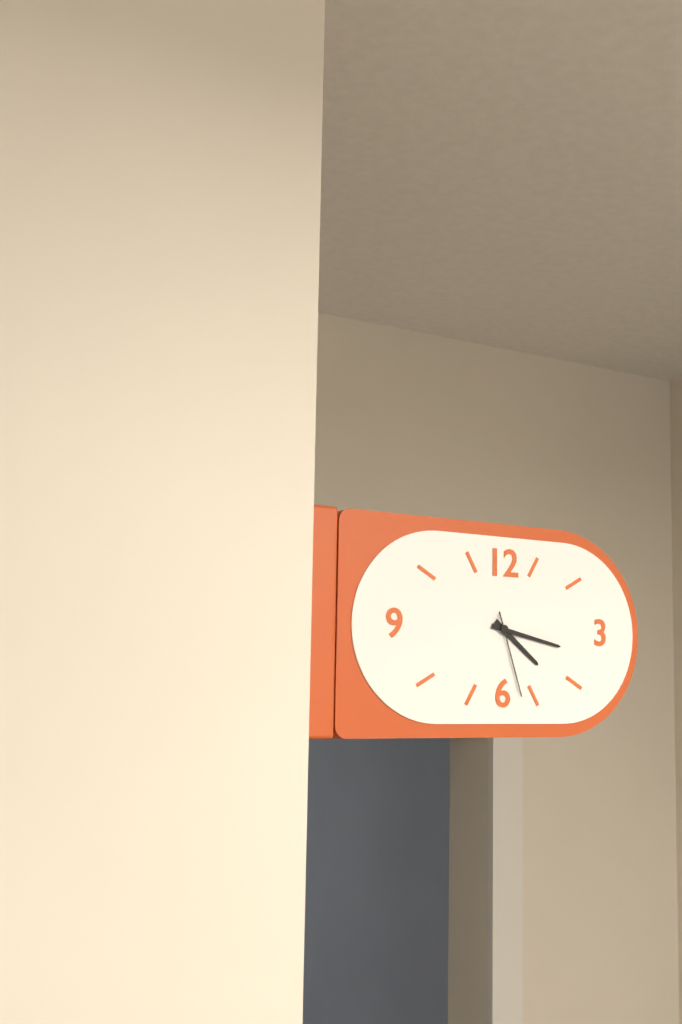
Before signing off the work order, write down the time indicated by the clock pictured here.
4:17:27
